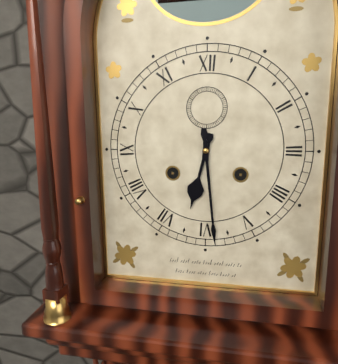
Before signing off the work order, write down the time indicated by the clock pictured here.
6:29
